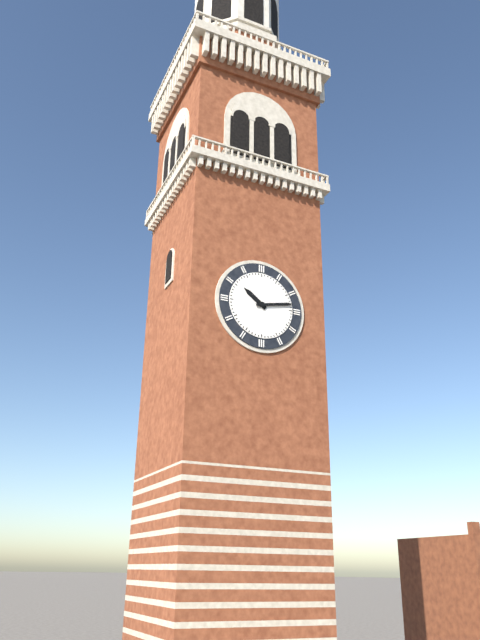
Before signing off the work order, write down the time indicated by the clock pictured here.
10:13
